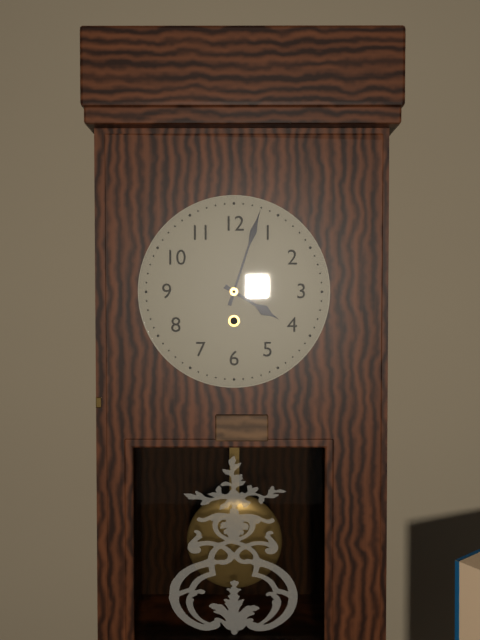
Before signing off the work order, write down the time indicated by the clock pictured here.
4:03
